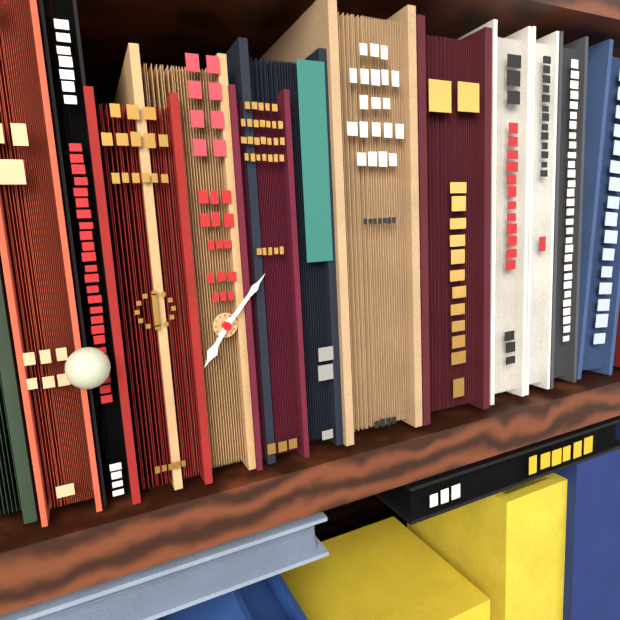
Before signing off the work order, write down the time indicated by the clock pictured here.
7:07
